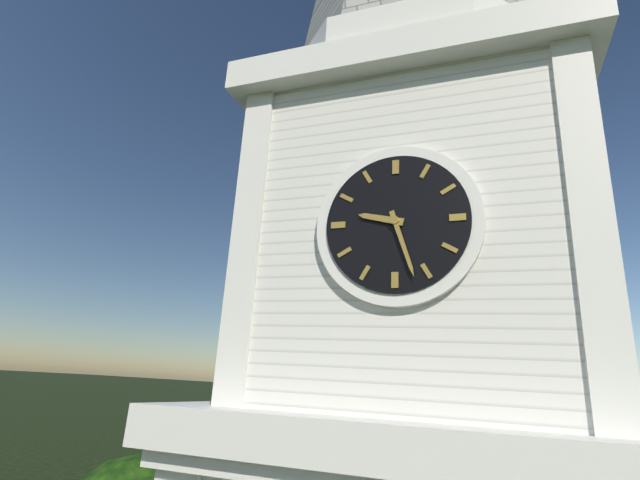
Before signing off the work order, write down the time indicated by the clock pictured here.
9:27
